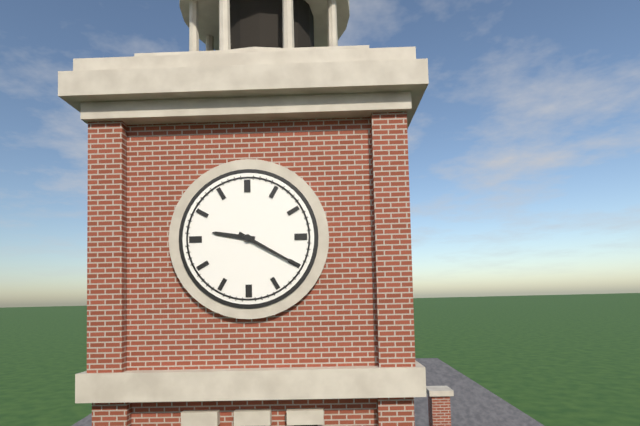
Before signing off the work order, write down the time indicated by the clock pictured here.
9:20
